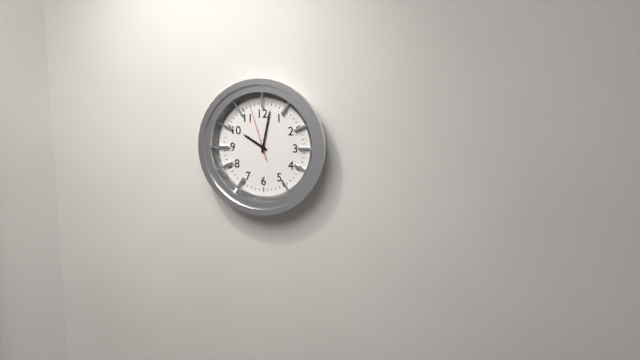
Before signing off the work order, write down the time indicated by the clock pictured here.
10:02:57
